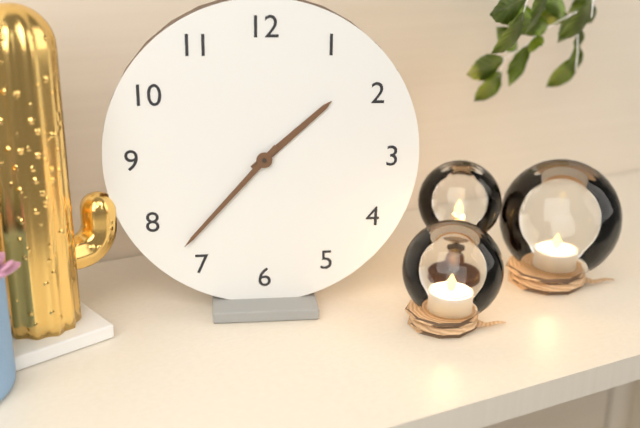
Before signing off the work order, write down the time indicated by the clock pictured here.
1:37
